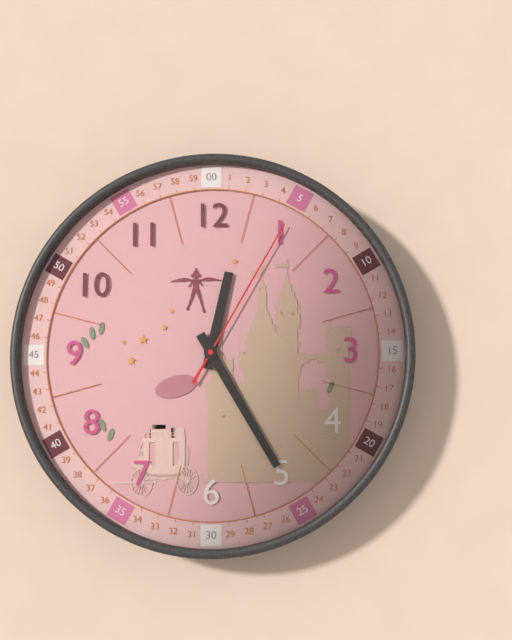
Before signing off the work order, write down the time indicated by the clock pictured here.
12:25:05
